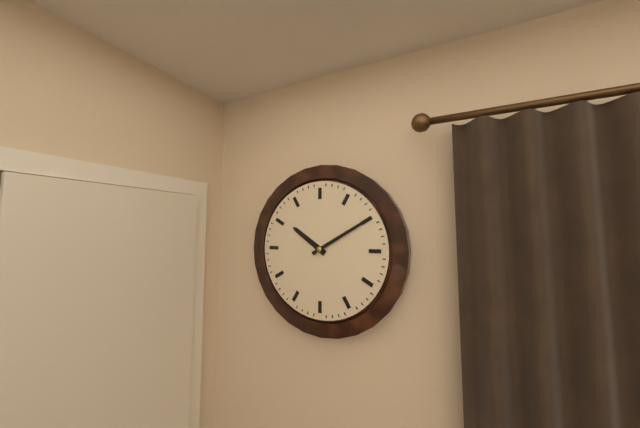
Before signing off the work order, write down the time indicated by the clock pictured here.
10:10
